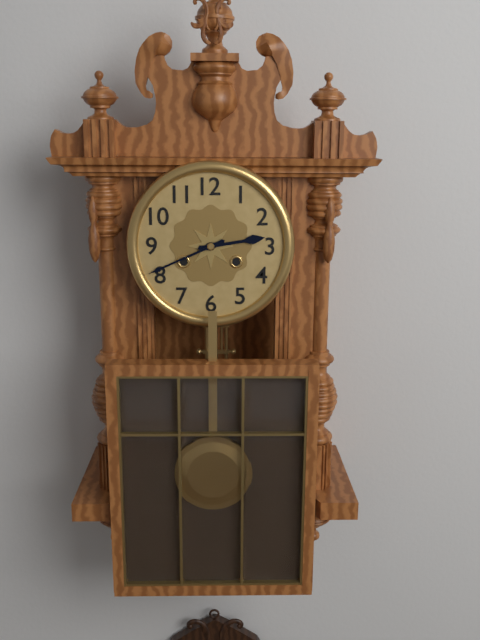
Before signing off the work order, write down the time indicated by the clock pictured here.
2:41
